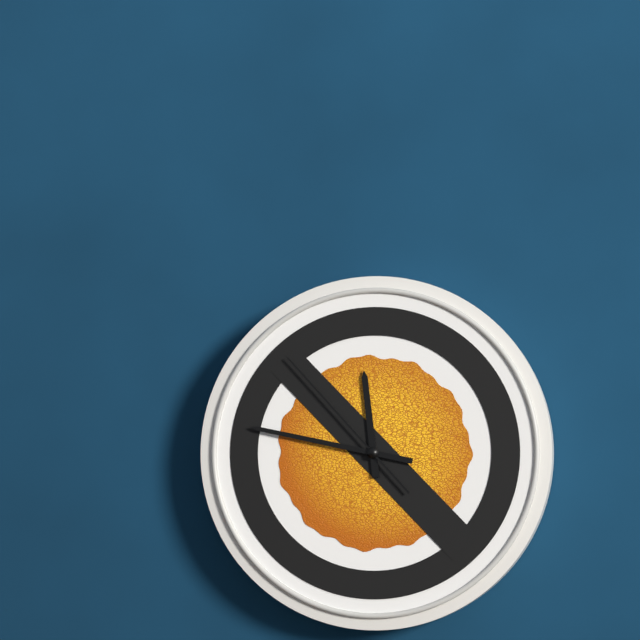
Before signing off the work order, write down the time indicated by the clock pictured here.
11:47:53
